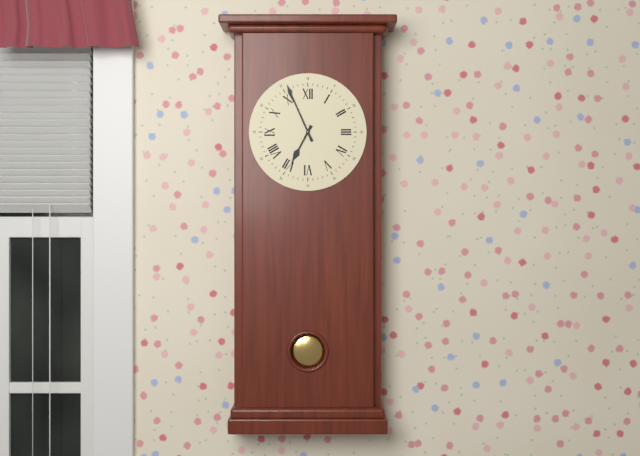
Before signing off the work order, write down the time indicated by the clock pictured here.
6:56
